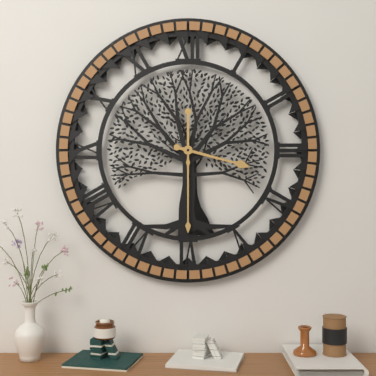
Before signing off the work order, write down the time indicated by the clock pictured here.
3:30
